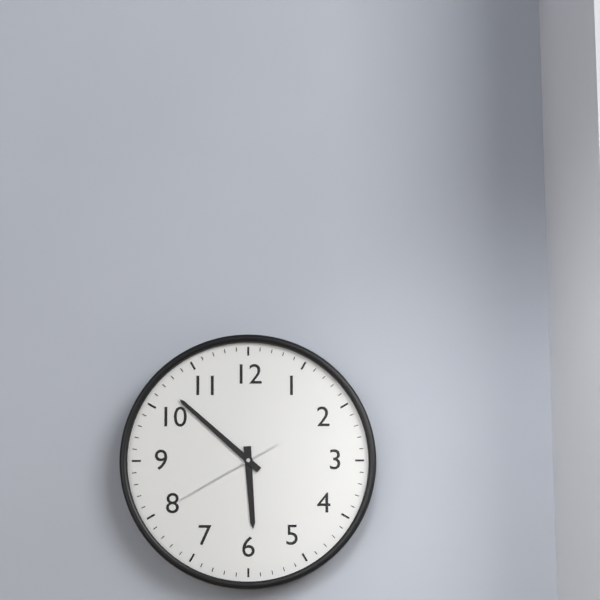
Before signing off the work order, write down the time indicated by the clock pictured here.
5:52:40
